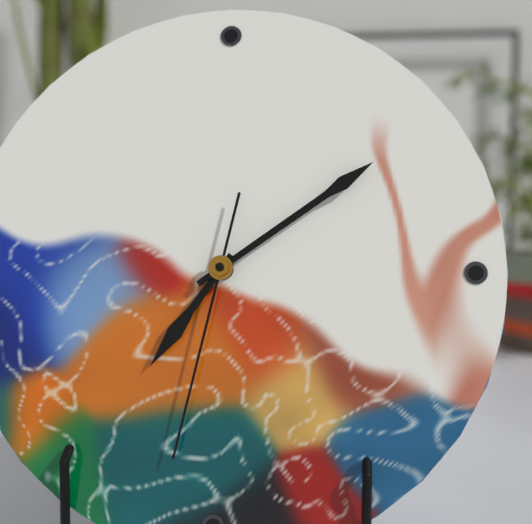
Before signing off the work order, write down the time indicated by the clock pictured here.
7:09:32
